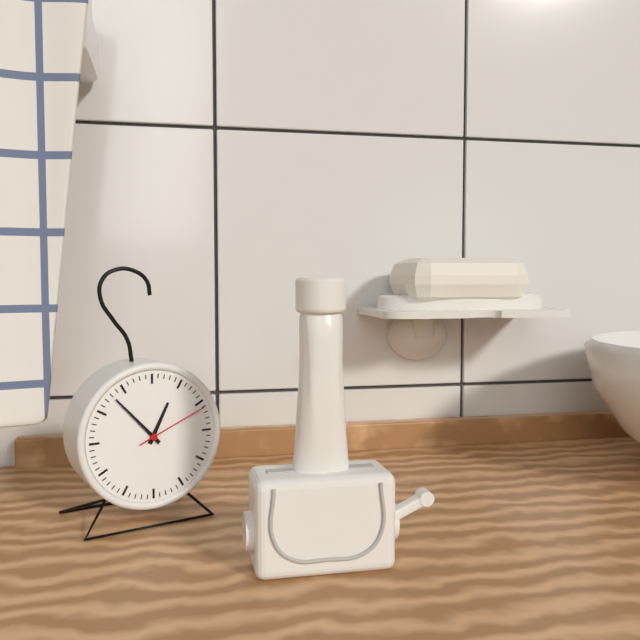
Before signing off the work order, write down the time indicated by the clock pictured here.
12:53:11
